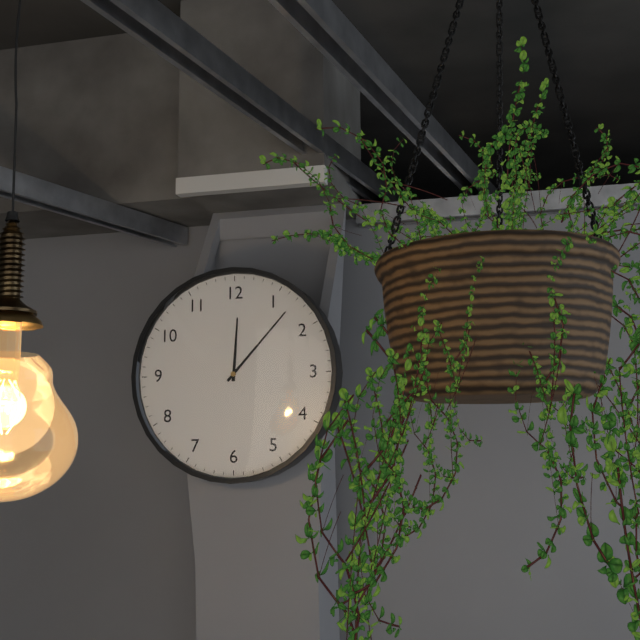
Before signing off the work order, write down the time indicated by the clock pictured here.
12:07
